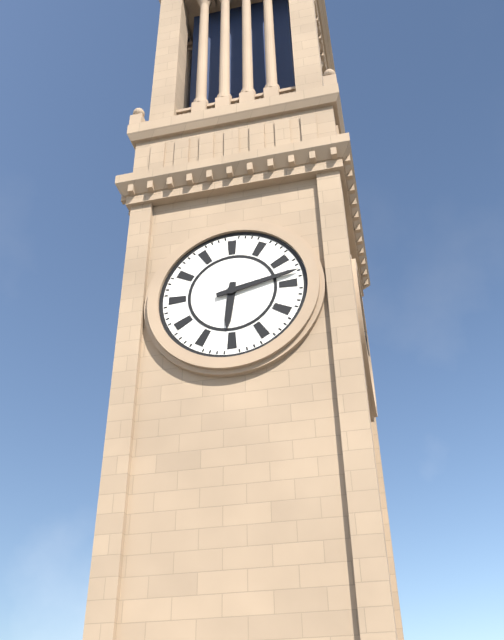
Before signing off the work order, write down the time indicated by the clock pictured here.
6:13
